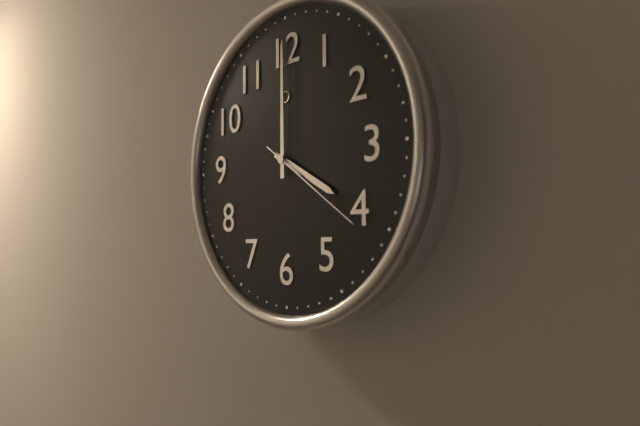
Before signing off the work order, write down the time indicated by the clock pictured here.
4:00:21
